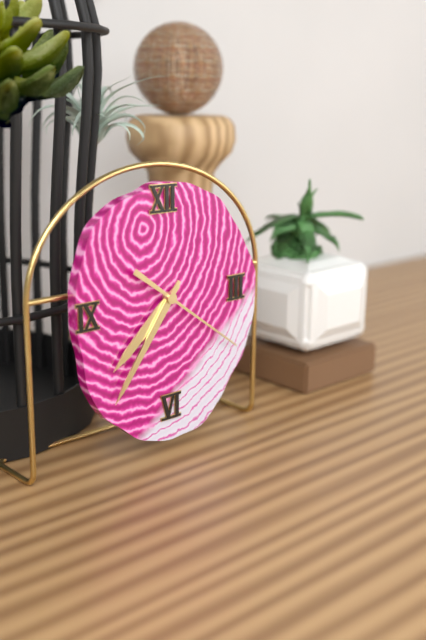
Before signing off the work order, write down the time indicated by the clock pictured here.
7:36:21
